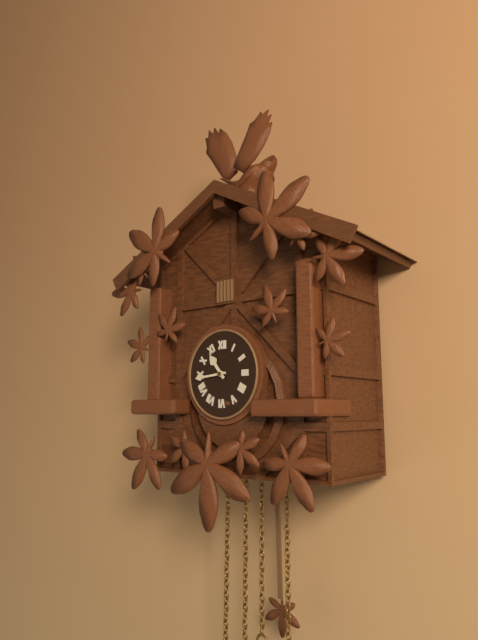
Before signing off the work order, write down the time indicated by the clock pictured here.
10:44
